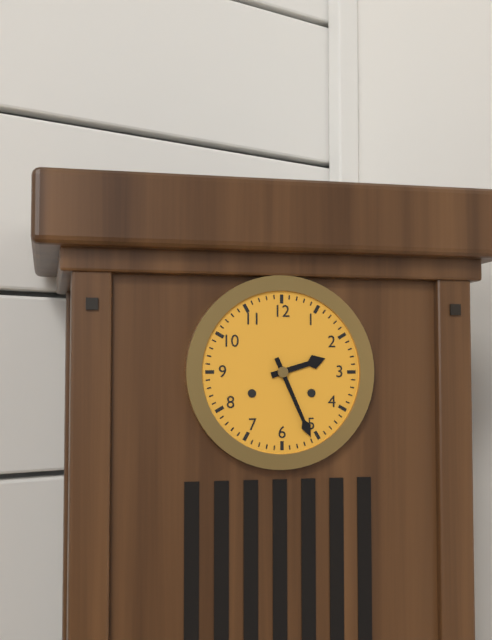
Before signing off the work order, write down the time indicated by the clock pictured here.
2:26
